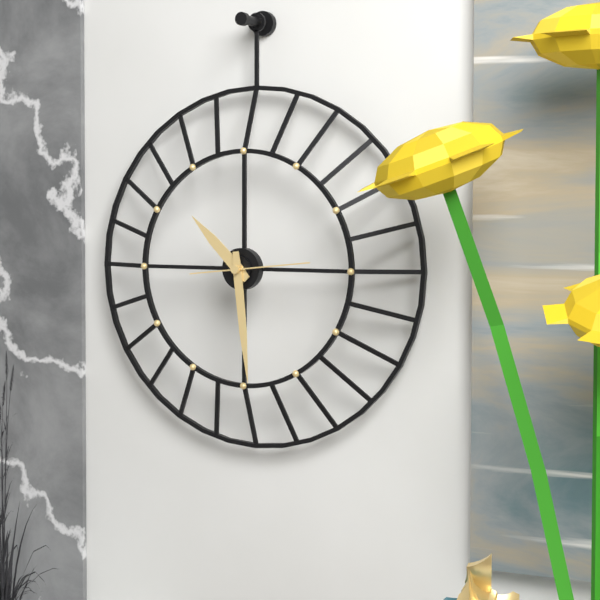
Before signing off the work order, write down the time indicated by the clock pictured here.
10:29:14
